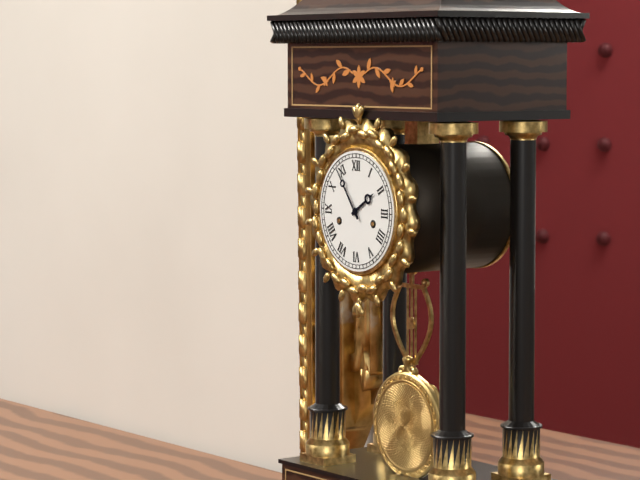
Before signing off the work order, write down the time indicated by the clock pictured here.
1:54
